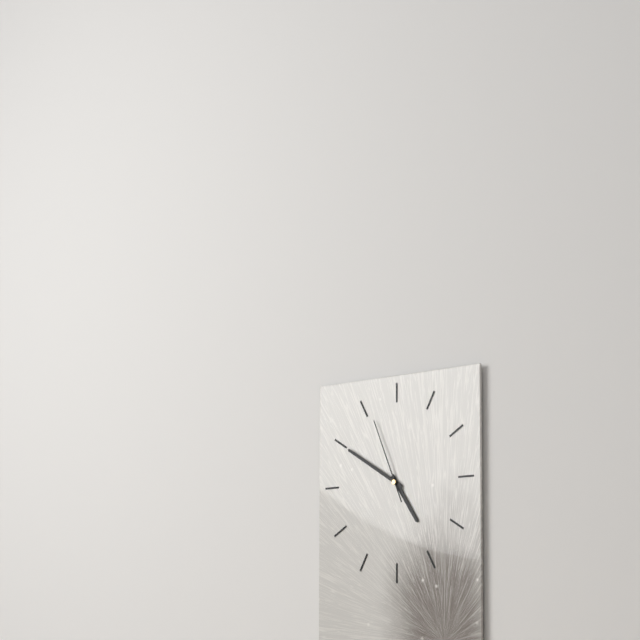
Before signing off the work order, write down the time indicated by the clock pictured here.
4:50:56
